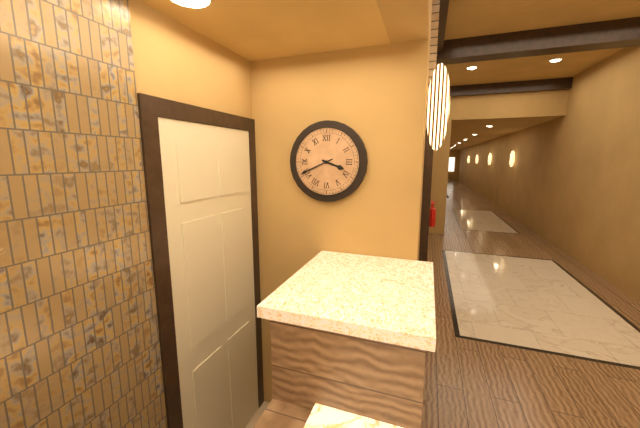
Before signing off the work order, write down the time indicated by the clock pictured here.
3:41
